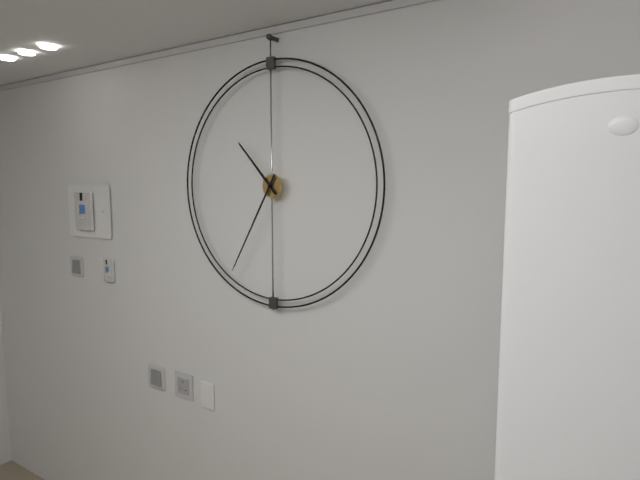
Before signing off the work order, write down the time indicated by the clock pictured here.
10:35
